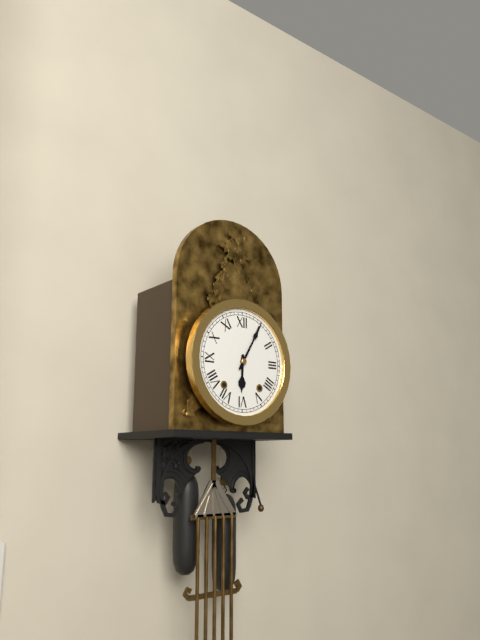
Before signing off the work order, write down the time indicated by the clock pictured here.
6:05
